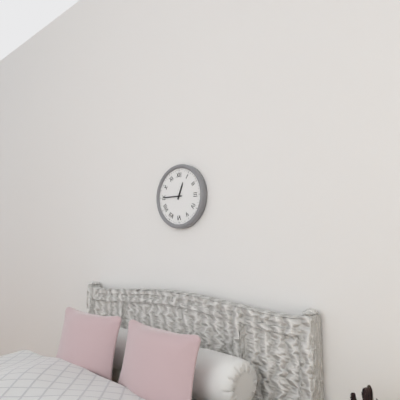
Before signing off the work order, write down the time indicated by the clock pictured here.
12:45
